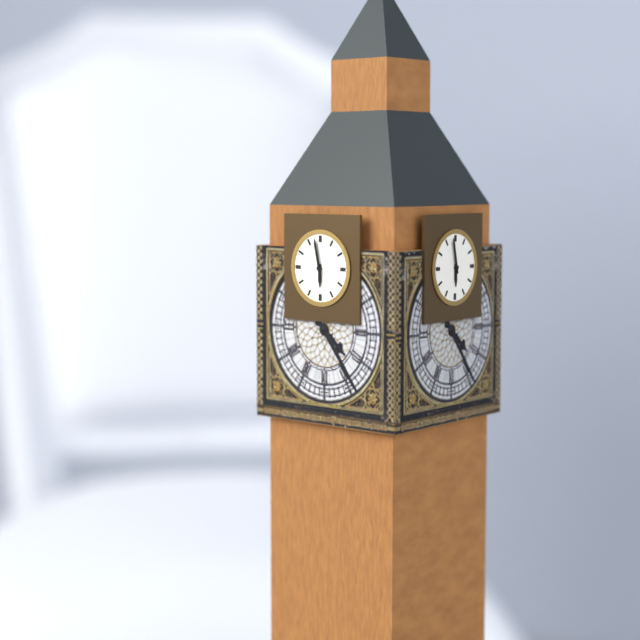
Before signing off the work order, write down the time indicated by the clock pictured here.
5:58
